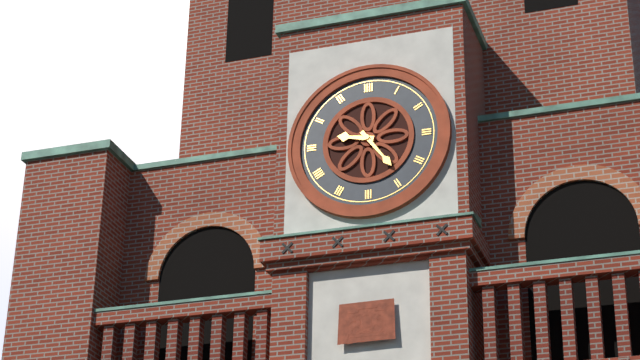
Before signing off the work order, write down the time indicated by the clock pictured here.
9:24
